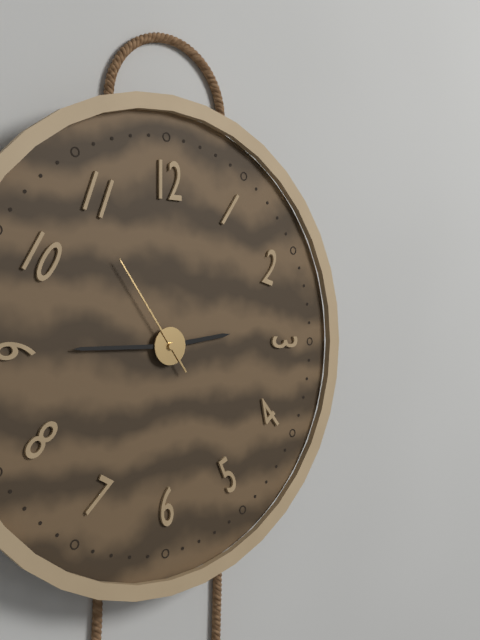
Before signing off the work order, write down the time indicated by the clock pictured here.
2:45:54
